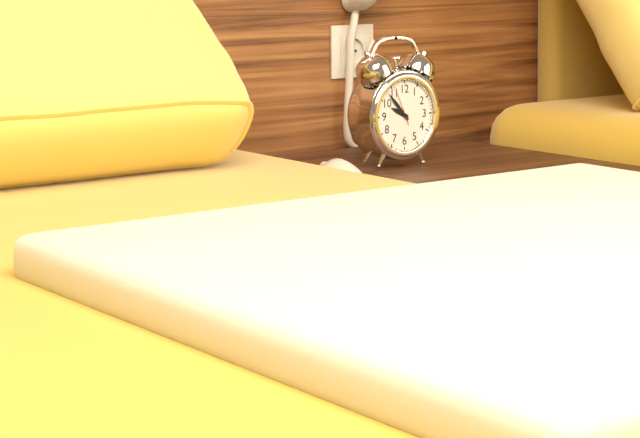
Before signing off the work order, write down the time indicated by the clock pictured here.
9:53
